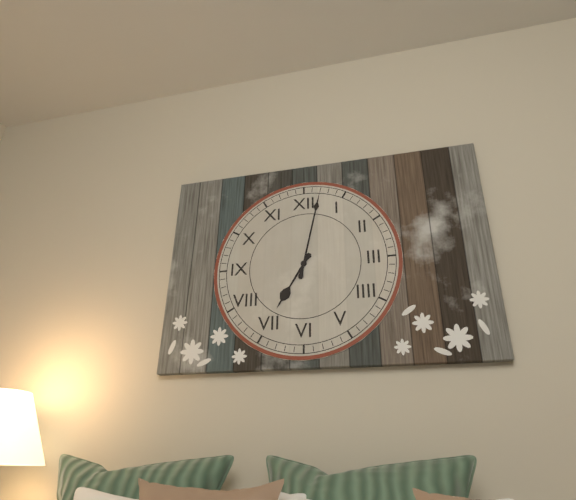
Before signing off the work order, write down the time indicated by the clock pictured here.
7:02
